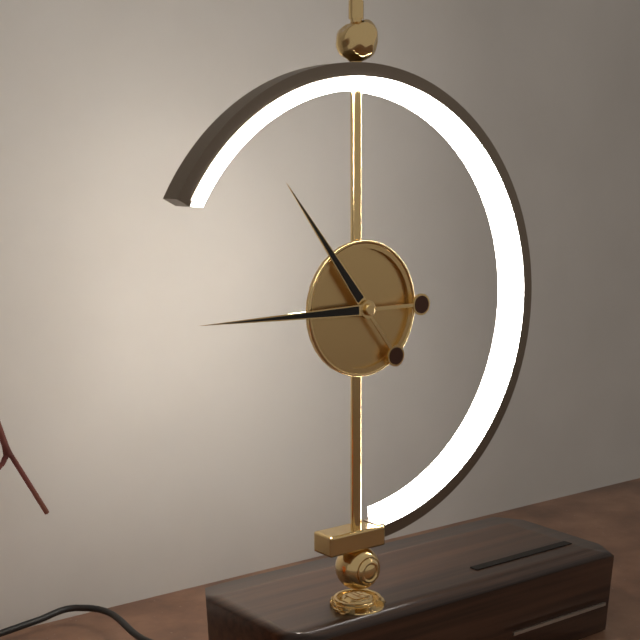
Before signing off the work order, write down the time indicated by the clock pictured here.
10:45
